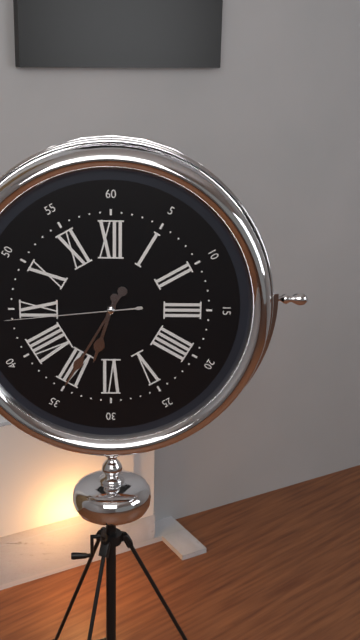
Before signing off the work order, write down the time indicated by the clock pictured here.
6:35:44
